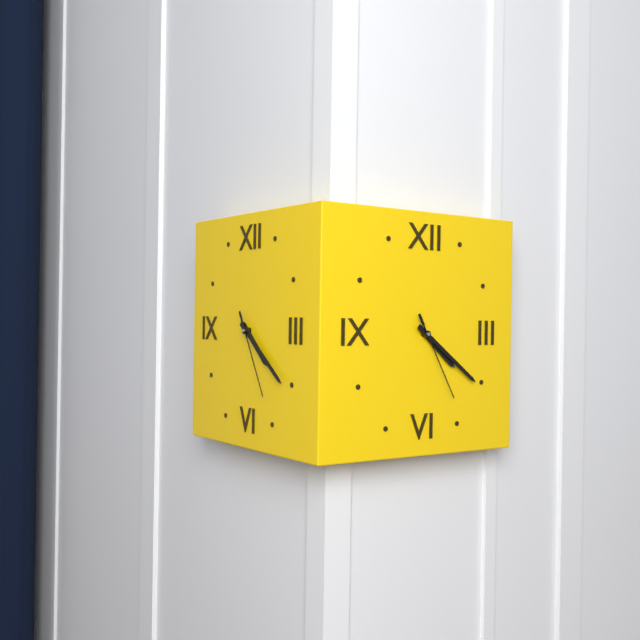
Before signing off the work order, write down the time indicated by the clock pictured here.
4:21:25
